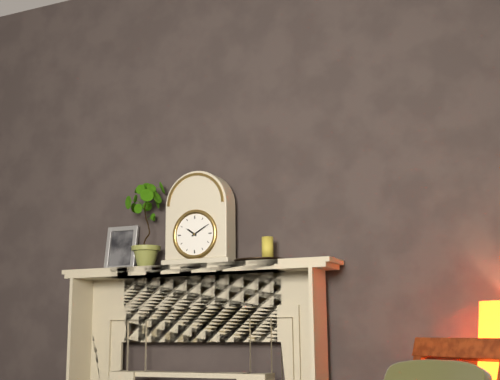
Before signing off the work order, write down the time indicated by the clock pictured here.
10:10
